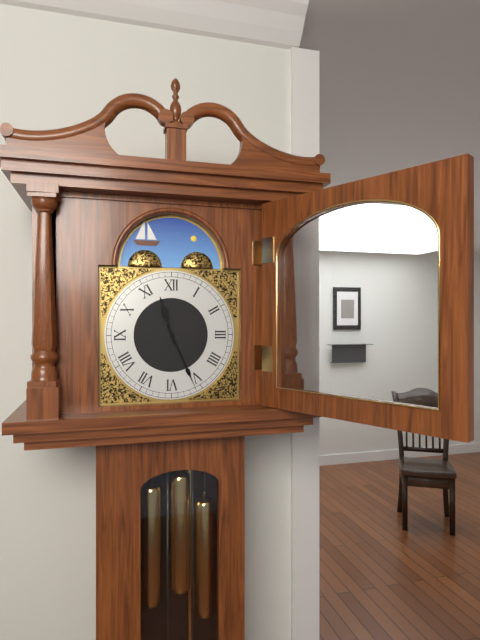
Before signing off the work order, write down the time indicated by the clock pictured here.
11:26
